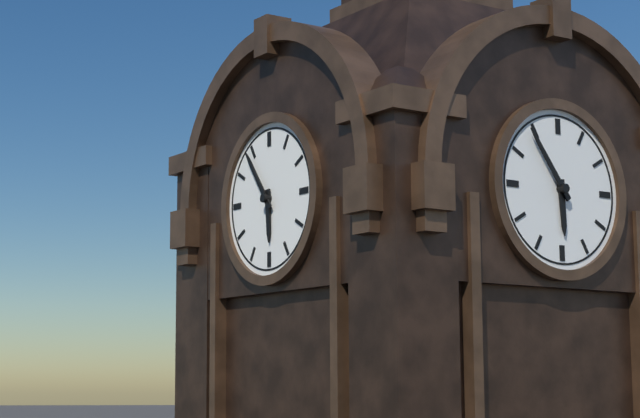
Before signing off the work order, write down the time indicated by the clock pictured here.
5:54
